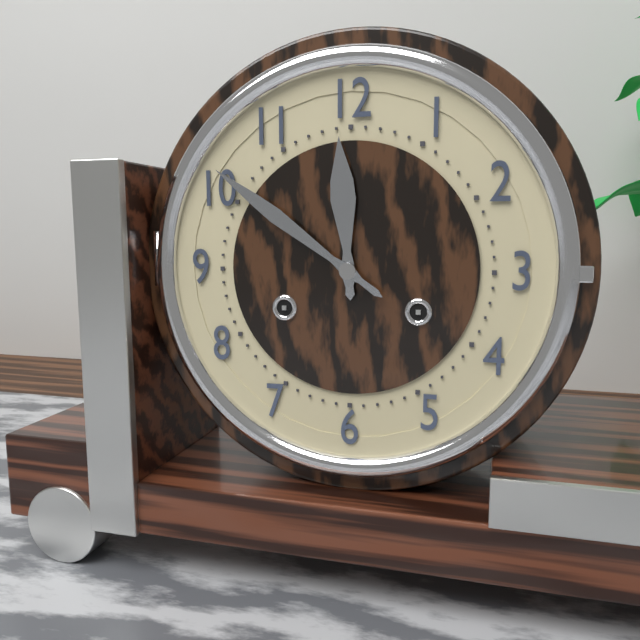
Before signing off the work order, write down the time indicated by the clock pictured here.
11:51
